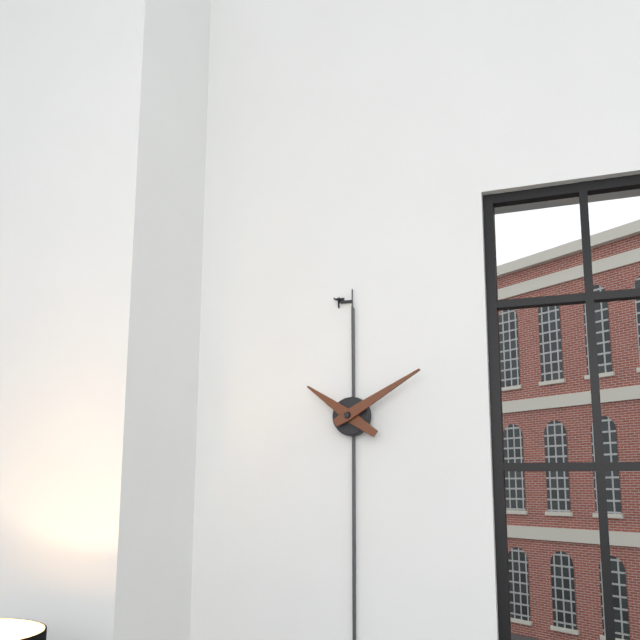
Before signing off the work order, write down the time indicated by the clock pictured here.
10:10
